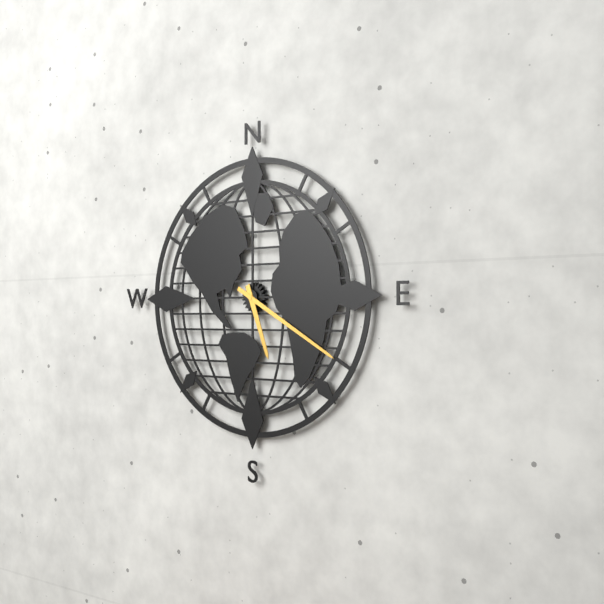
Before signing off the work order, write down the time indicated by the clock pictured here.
5:20
